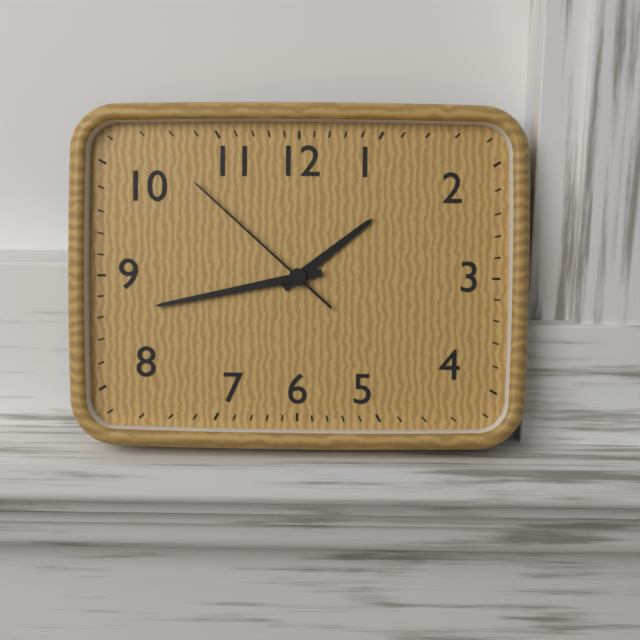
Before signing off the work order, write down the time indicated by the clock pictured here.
1:43:52
